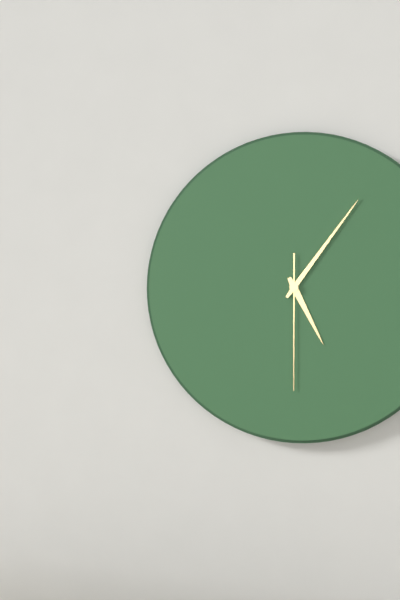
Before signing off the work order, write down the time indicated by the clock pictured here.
5:06:30
